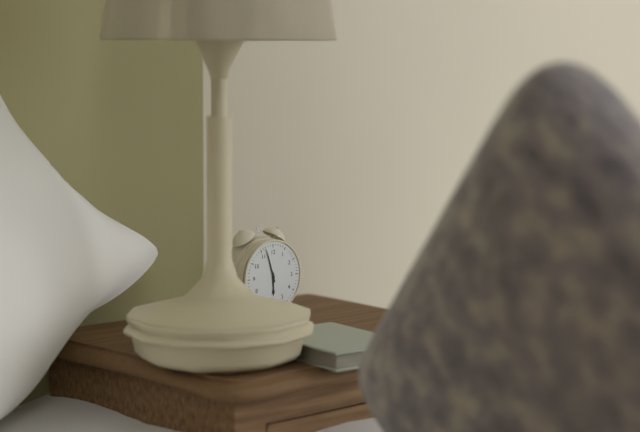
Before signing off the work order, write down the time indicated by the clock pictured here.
5:57
